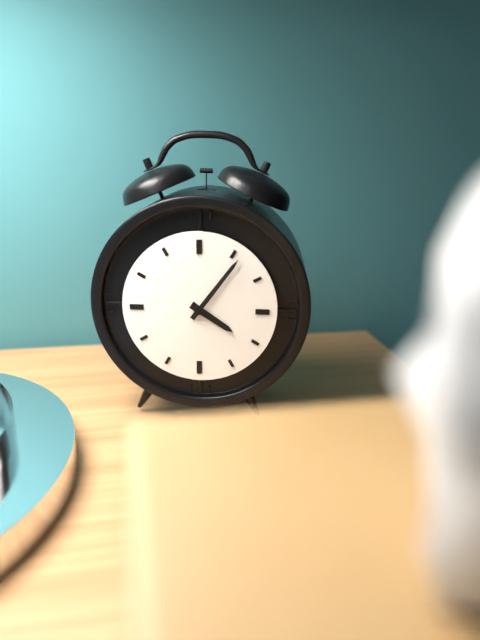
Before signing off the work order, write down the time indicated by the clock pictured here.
4:06
